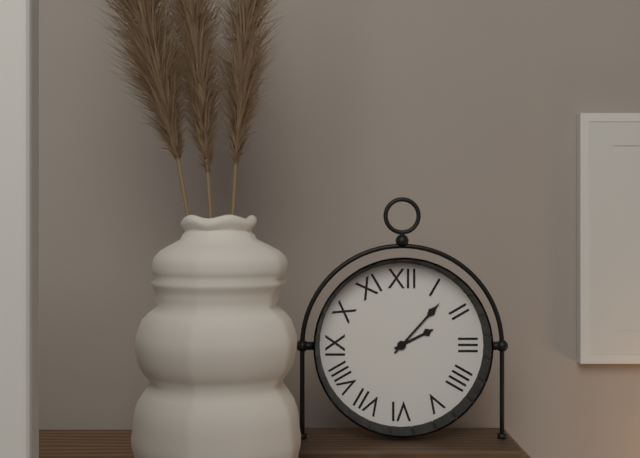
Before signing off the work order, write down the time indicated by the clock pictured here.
2:07
